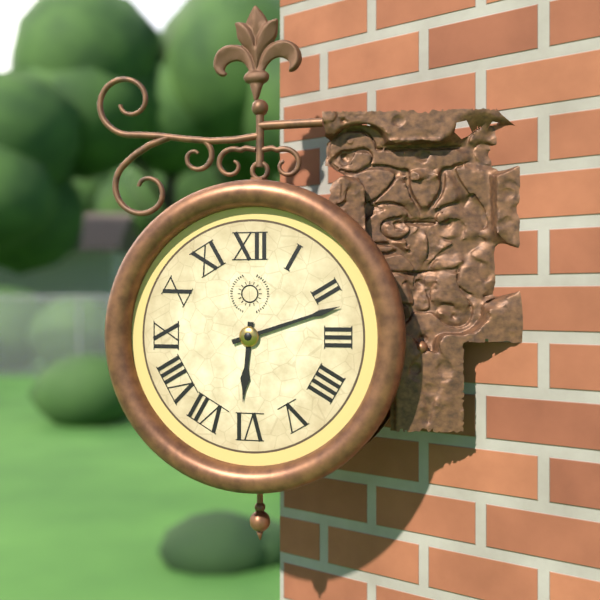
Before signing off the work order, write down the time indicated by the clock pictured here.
6:12
